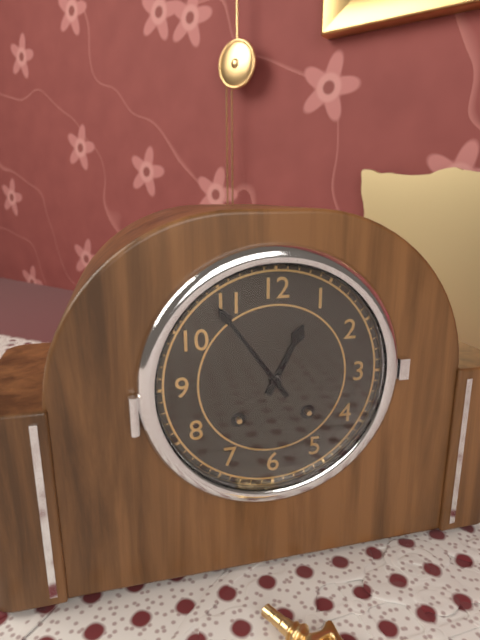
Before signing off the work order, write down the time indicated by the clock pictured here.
12:54
